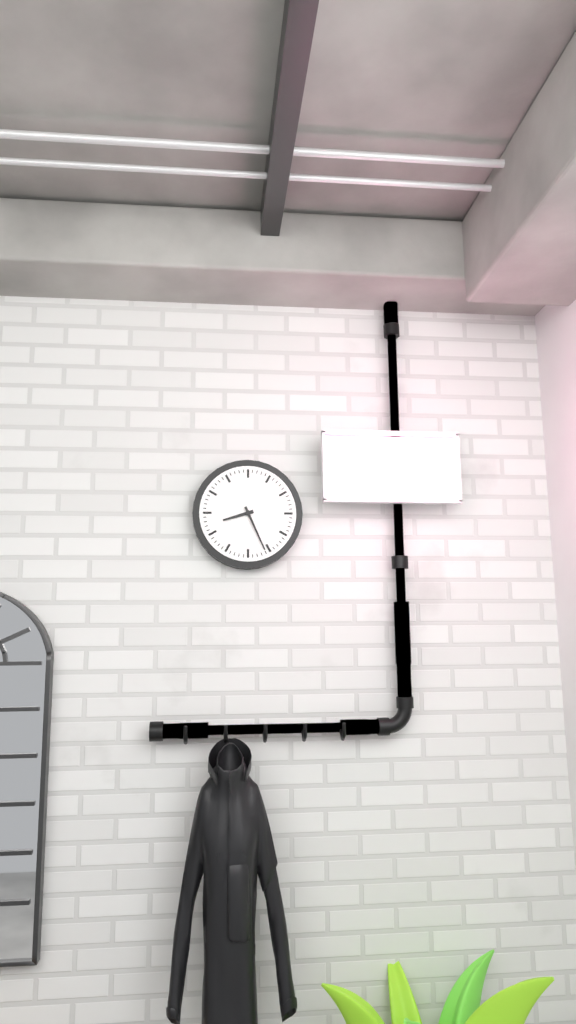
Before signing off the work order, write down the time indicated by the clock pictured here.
8:26
